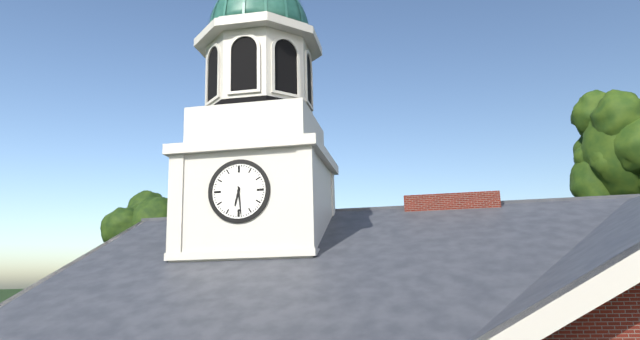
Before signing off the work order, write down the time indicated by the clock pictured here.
6:29
